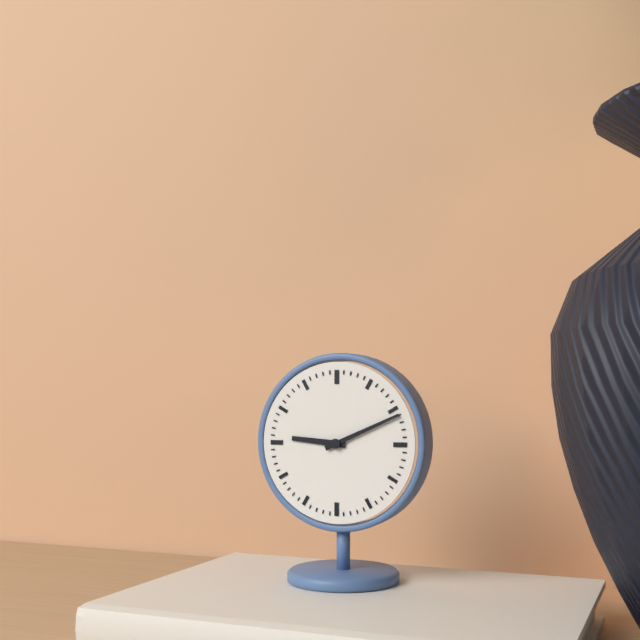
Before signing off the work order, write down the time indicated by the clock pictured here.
9:11
